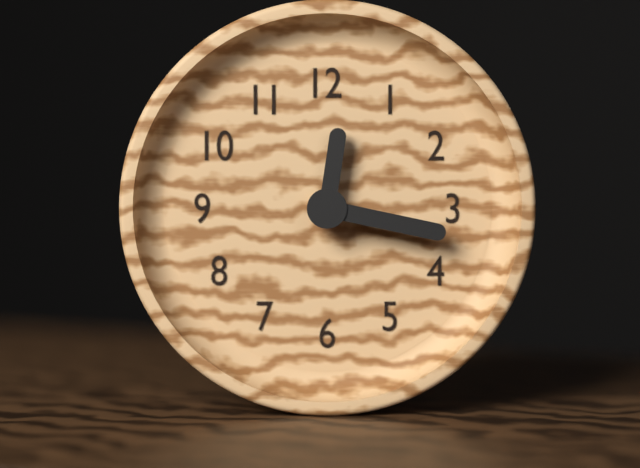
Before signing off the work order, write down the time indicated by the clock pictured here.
12:17
